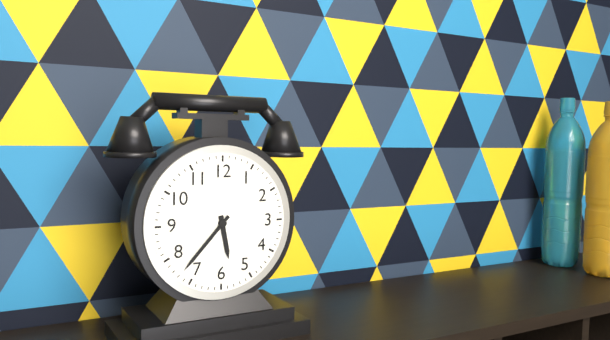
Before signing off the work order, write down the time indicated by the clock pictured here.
5:37
